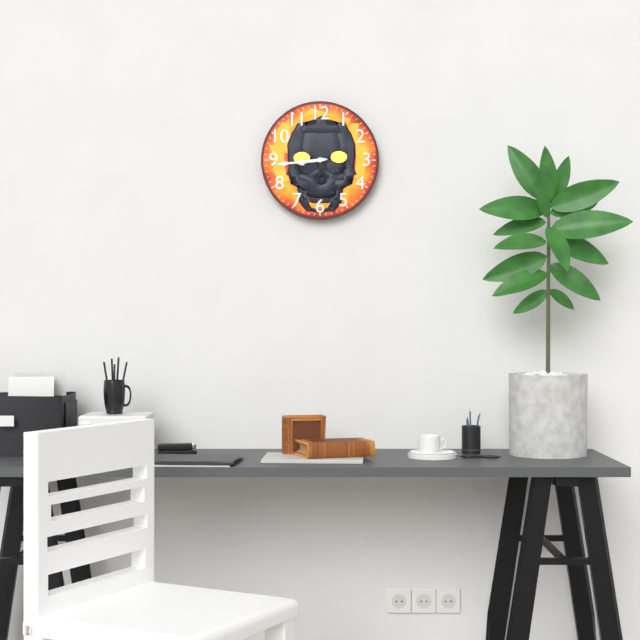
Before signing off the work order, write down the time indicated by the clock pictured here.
8:44
